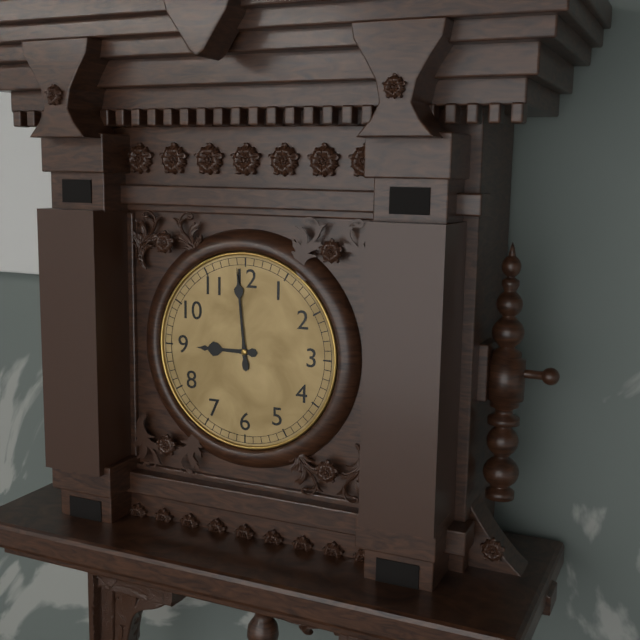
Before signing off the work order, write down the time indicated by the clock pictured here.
8:59
